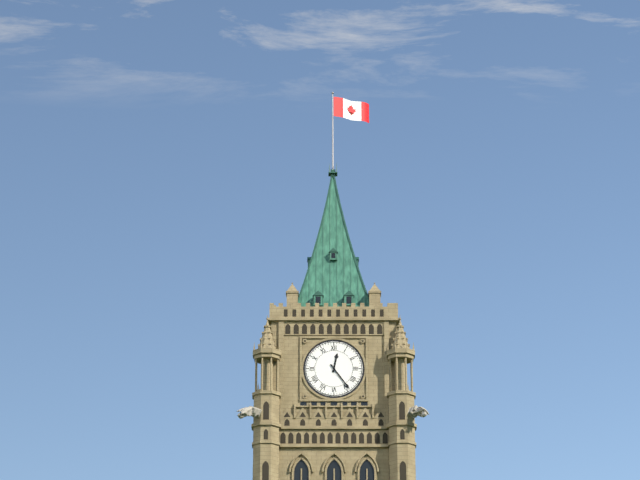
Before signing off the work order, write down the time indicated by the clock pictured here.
12:24
